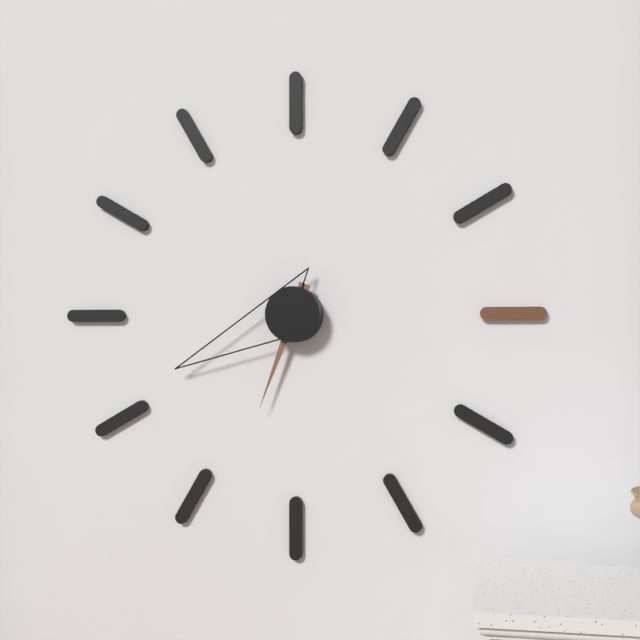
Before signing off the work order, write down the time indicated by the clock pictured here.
6:41
